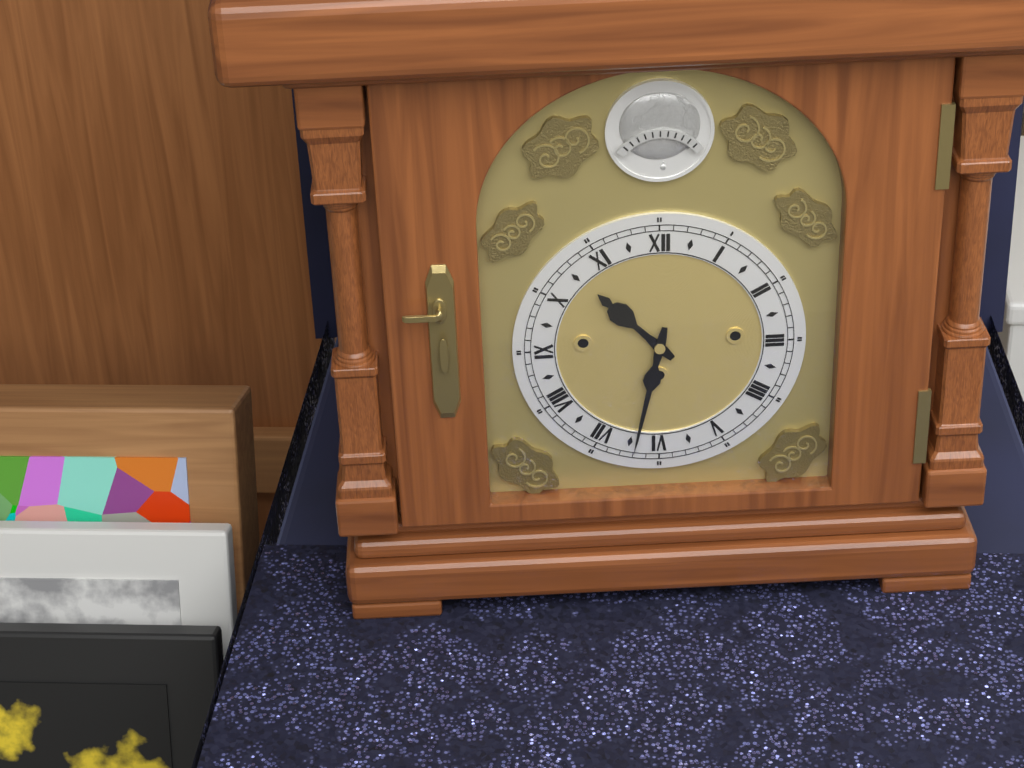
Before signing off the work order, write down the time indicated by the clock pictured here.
10:32
